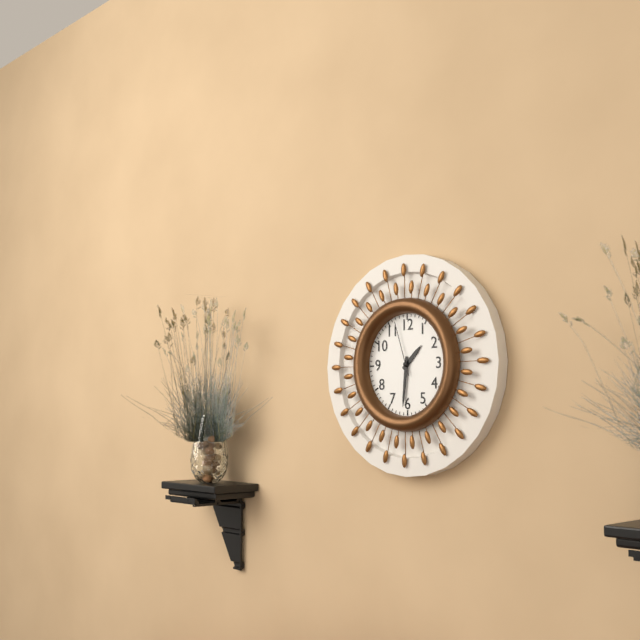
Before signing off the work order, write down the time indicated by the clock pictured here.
1:31:57
